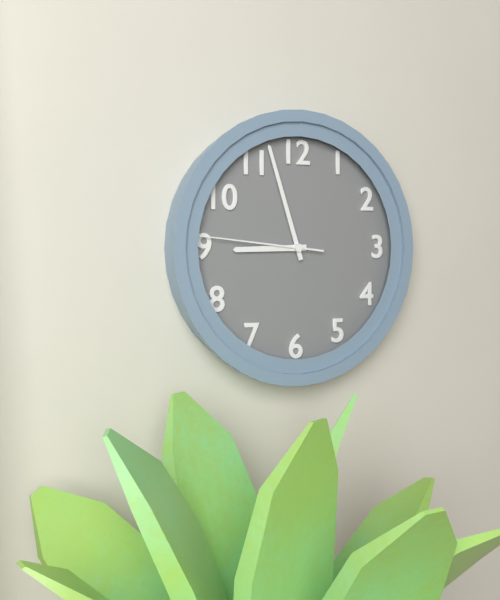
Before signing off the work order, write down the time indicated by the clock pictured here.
8:57:46
